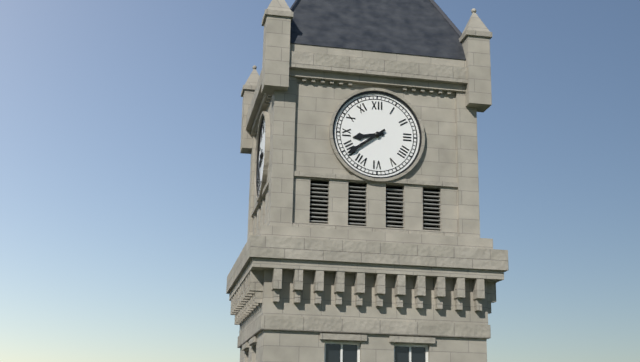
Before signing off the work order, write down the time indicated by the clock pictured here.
8:39
